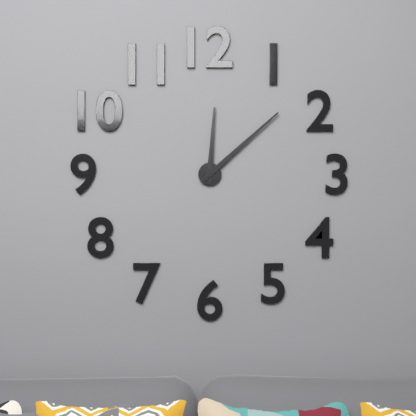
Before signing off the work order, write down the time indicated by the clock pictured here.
12:08
